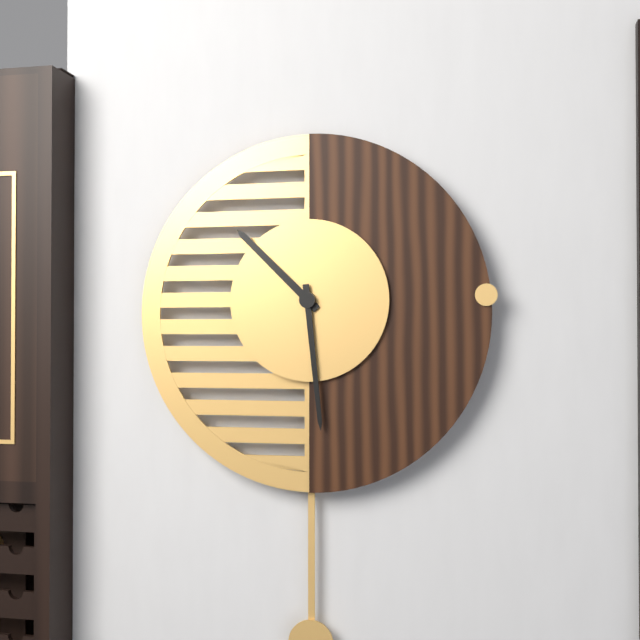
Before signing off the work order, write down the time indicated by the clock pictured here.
10:29
